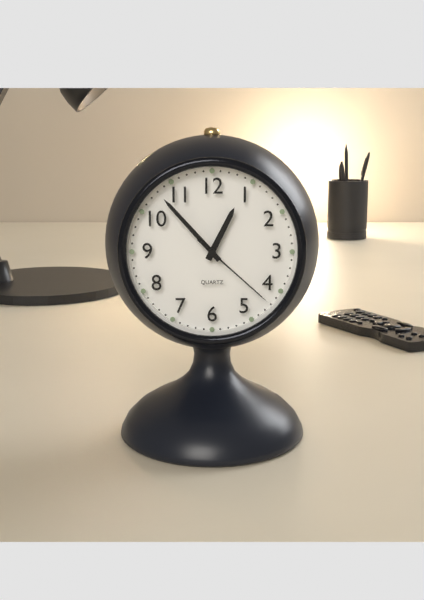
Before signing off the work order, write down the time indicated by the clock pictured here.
12:53:22
